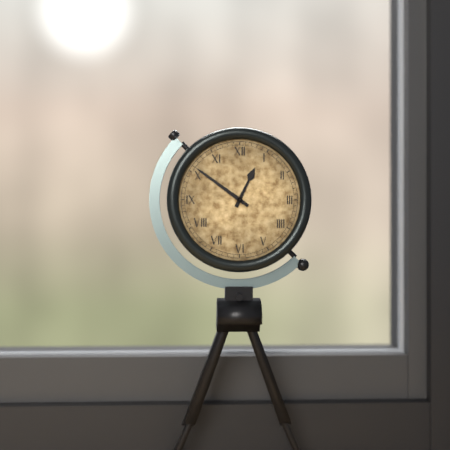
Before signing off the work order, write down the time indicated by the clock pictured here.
12:51
